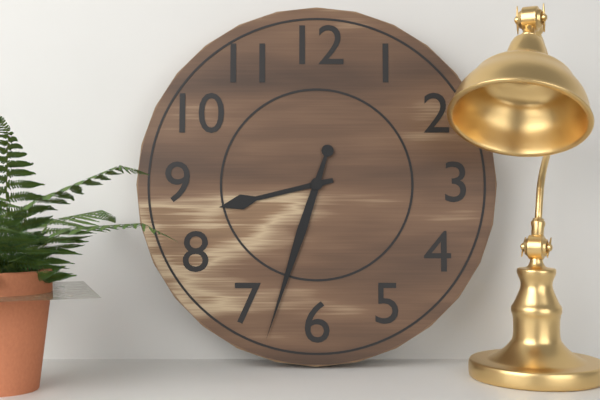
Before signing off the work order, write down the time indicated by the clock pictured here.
8:33
